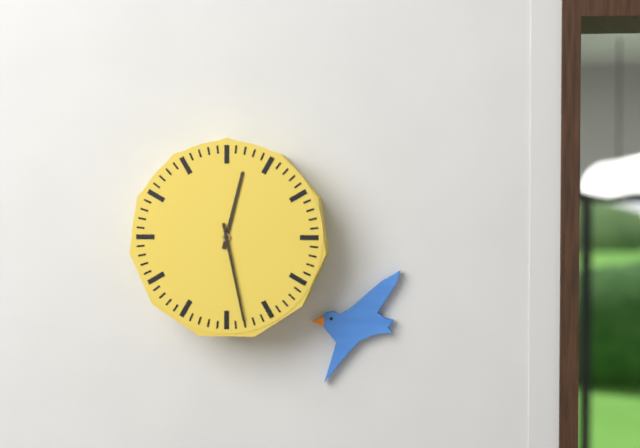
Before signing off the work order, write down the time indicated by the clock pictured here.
12:28
